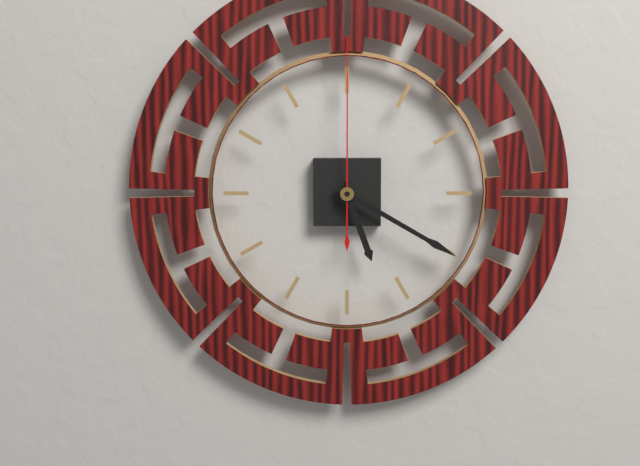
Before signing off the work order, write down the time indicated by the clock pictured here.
5:20:00
